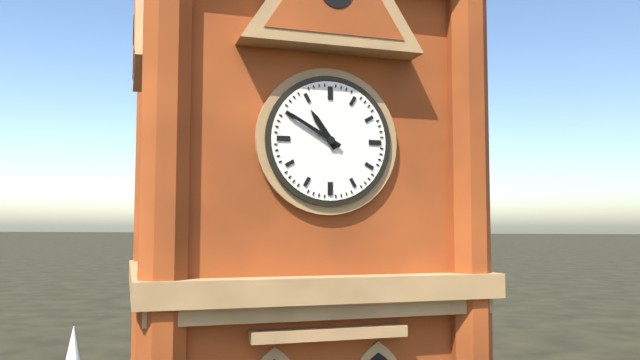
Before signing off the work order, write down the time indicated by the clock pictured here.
10:50
